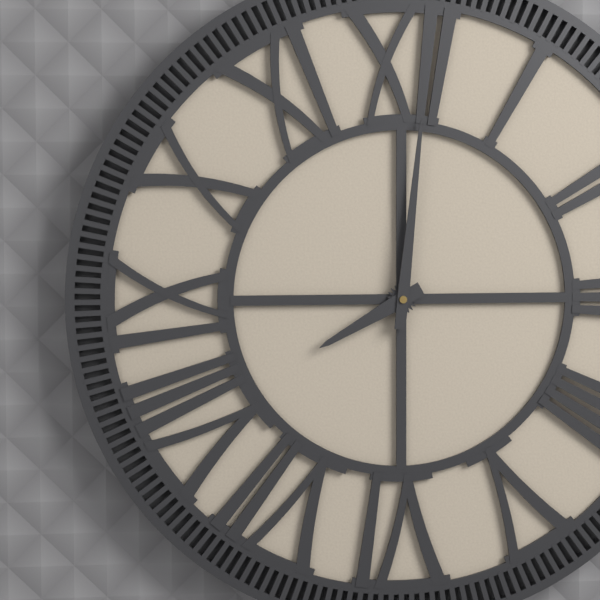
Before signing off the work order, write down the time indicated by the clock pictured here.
8:01
